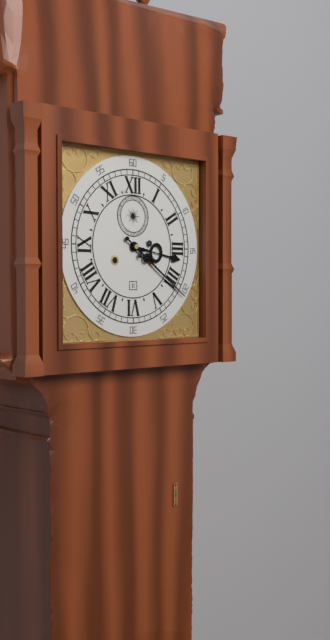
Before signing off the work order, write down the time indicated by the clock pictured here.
3:21
